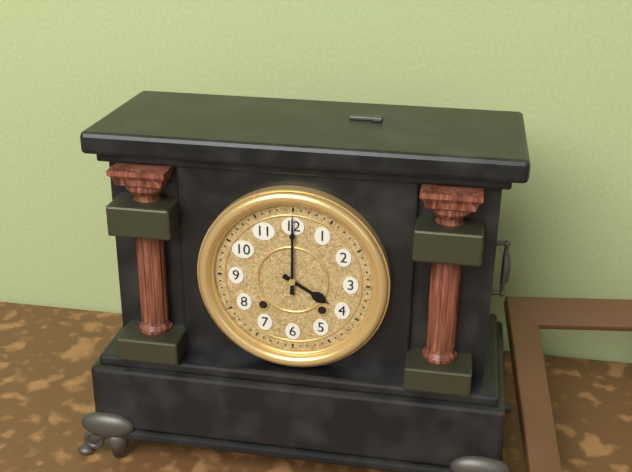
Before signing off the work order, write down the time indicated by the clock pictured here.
4:00
